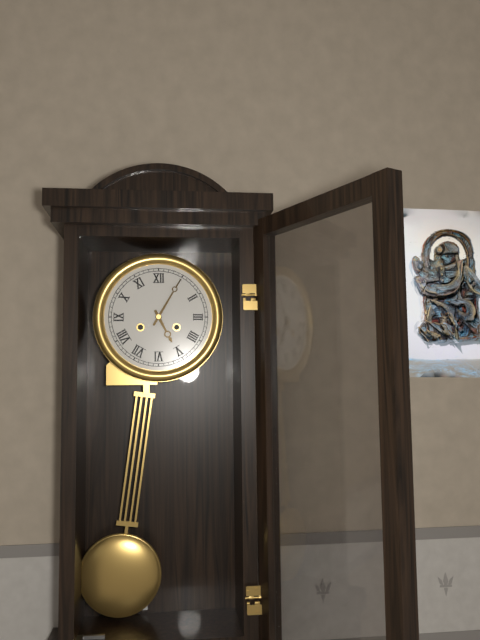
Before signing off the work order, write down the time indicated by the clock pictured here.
5:05
